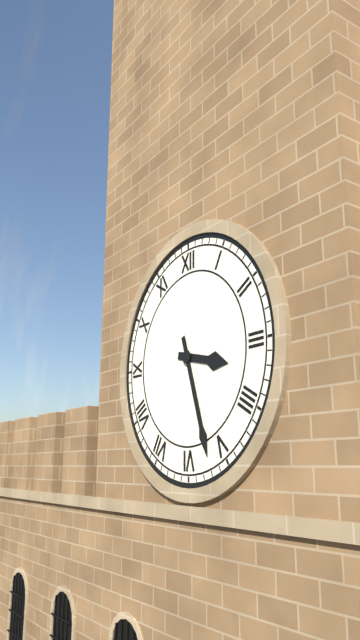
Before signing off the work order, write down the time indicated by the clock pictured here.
3:27
